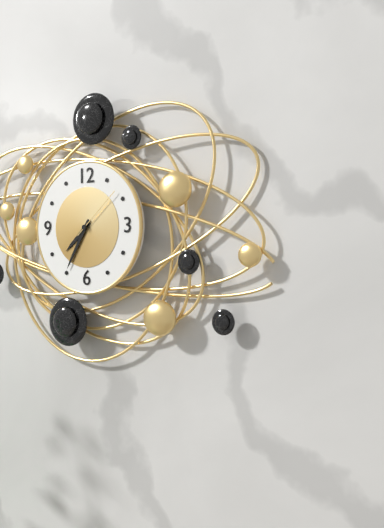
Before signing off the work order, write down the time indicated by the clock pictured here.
7:35:08
